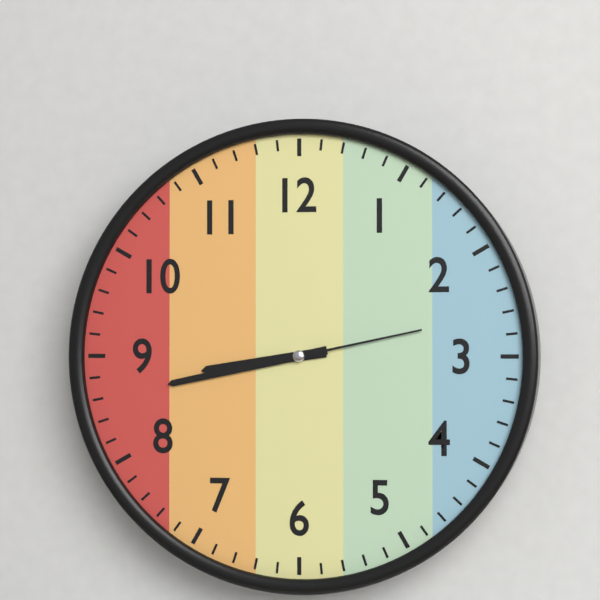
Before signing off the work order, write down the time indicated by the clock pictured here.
8:43:13
